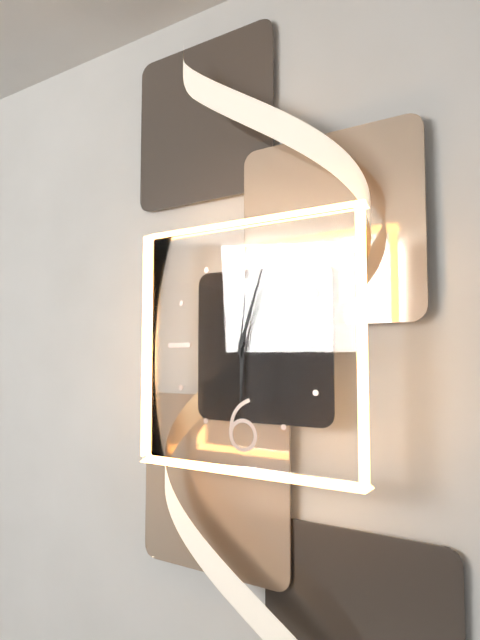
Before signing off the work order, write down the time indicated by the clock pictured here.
6:03:01
